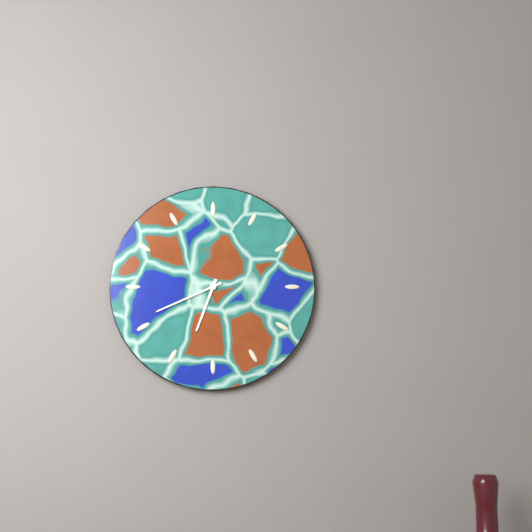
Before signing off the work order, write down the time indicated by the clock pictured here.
6:41
